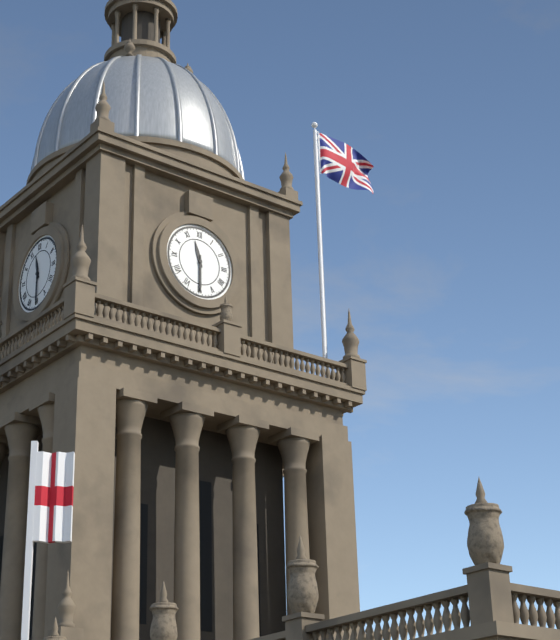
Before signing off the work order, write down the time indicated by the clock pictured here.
11:30
